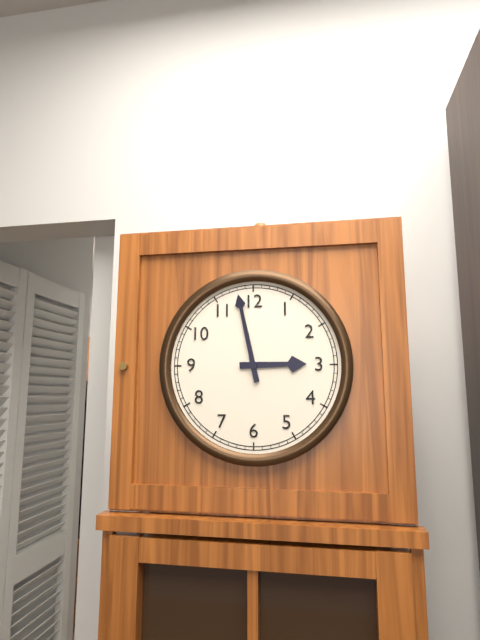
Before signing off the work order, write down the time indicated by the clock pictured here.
2:58
